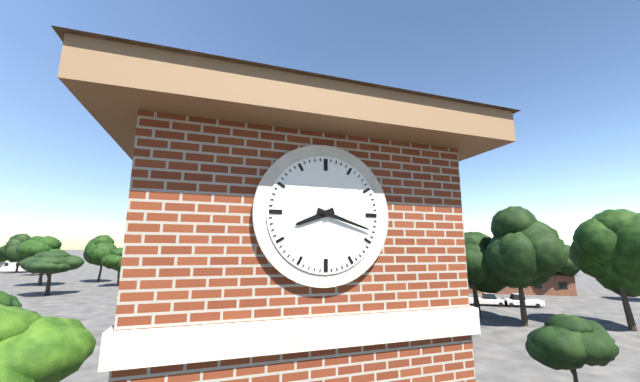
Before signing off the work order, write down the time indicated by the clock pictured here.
8:18
